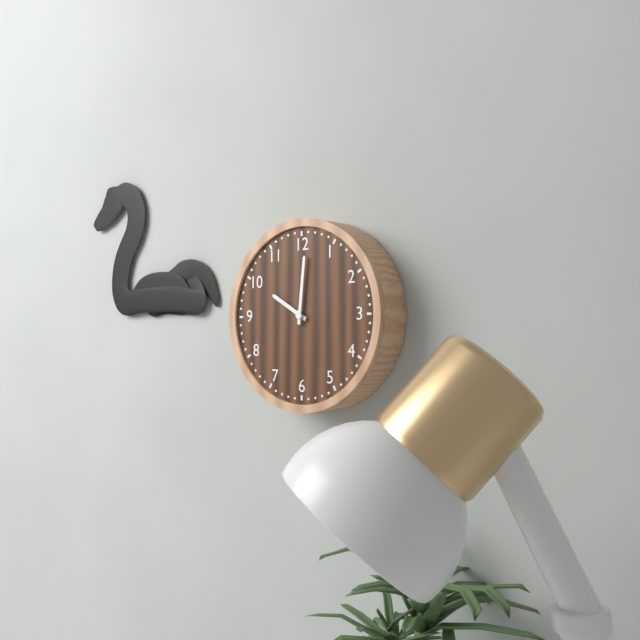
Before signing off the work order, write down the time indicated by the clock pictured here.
10:01
